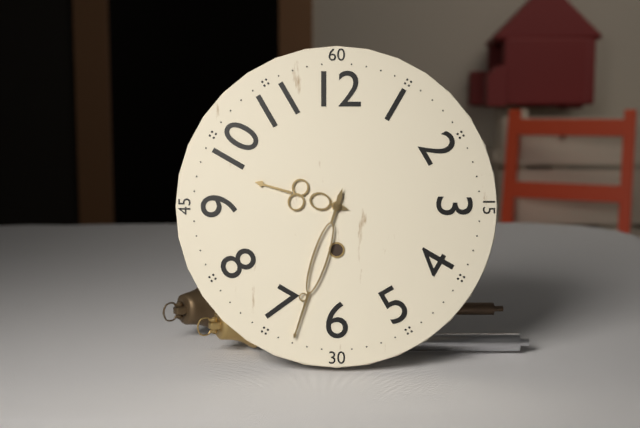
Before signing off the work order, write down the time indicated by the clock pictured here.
9:33
